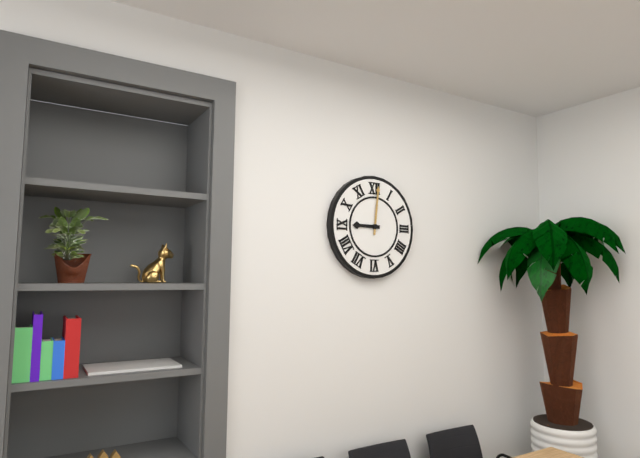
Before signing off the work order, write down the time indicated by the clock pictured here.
9:01
